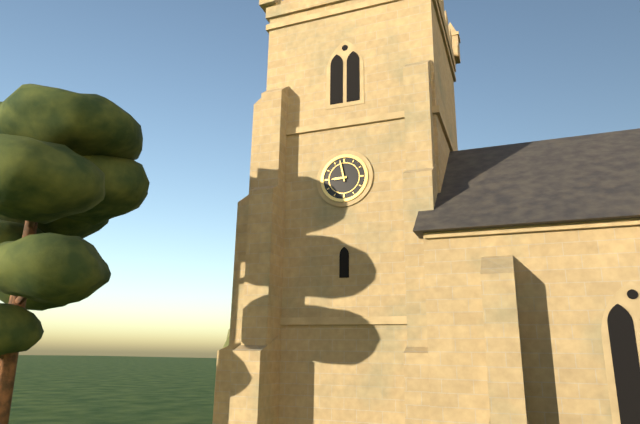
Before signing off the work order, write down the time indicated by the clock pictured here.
8:58
